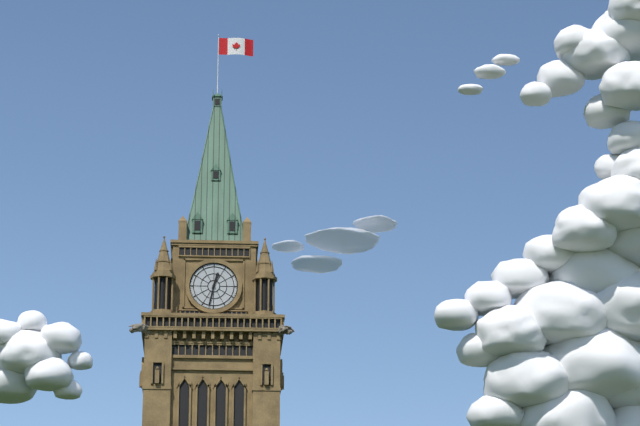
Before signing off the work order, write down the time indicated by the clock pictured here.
12:32
